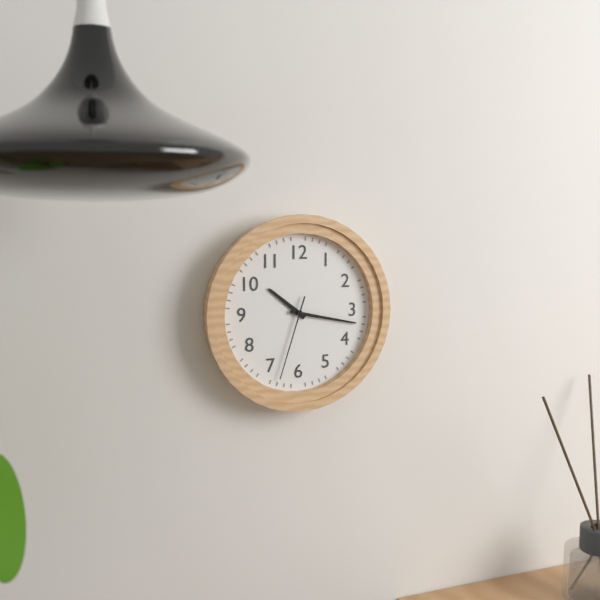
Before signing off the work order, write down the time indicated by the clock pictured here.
10:17:33
